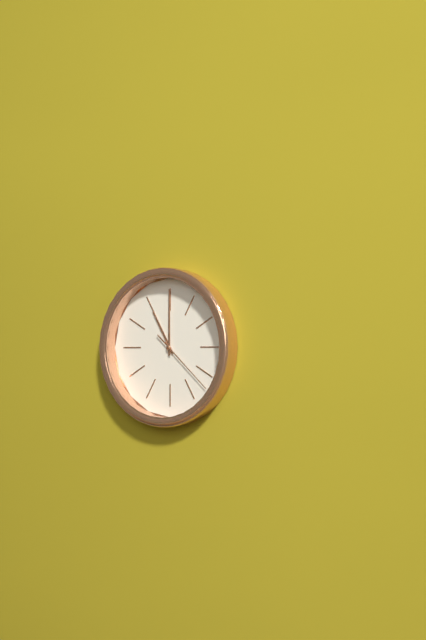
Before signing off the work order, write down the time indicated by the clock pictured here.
11:00:22
